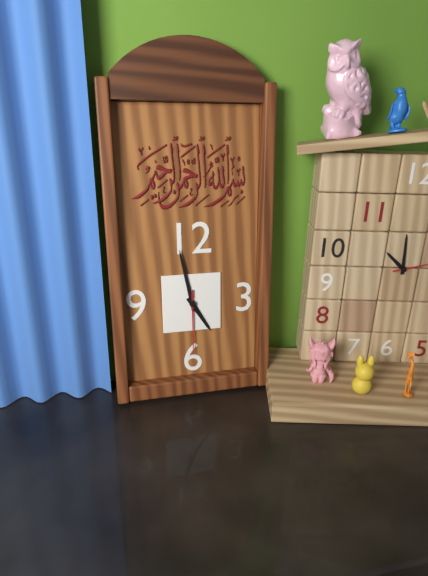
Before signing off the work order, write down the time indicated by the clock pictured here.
4:58:30
